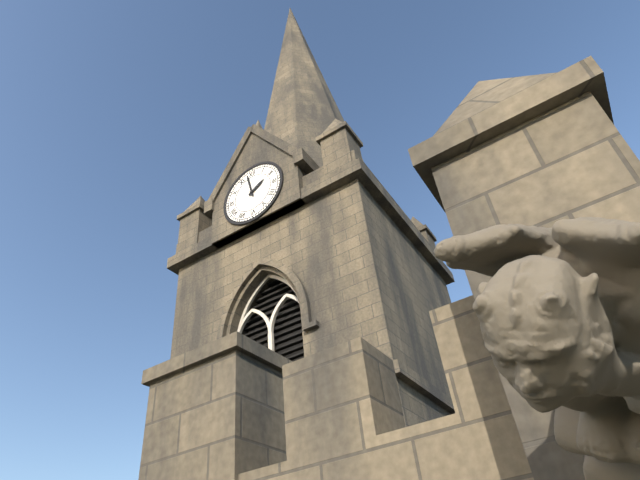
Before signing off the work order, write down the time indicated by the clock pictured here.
1:58
